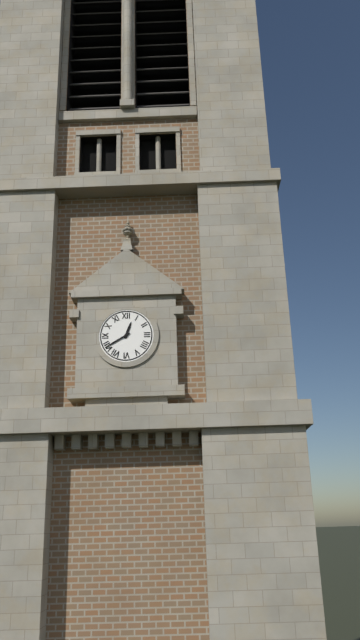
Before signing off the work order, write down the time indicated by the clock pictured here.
12:40
